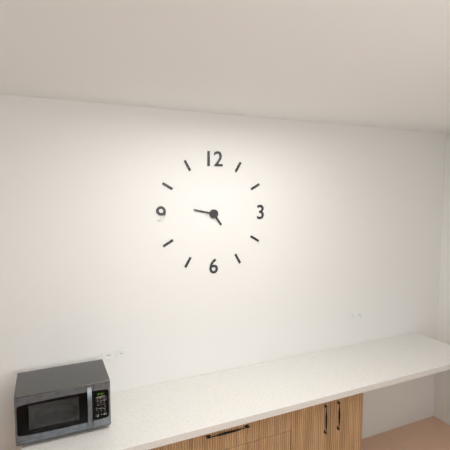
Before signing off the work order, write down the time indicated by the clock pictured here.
4:47
